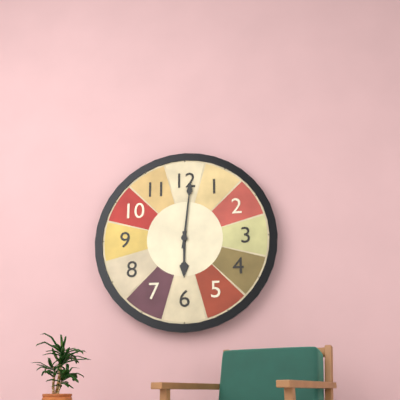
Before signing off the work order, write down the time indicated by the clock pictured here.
6:01
